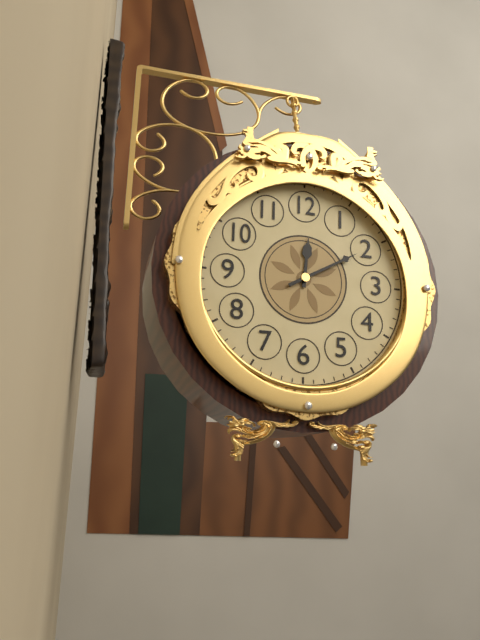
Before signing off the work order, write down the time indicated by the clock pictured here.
12:10
